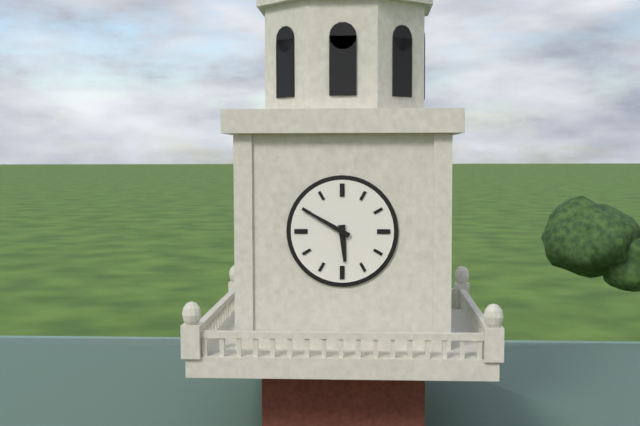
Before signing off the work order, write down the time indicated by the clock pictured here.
5:50
